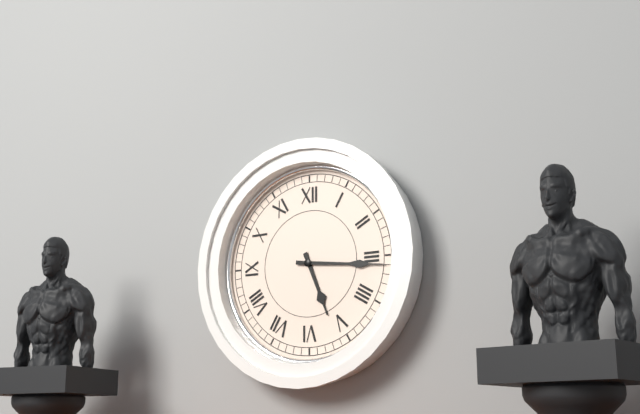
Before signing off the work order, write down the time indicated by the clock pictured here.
5:16
